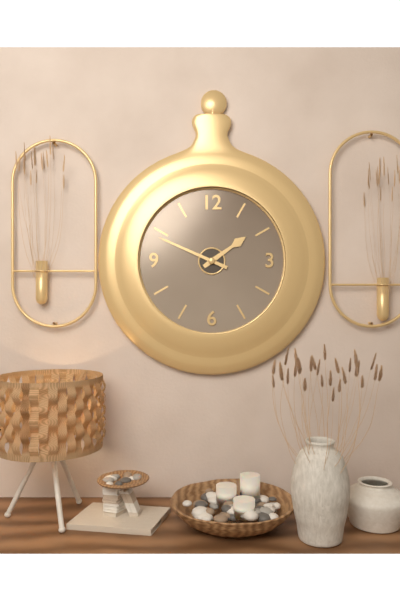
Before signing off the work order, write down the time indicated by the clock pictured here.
1:49
